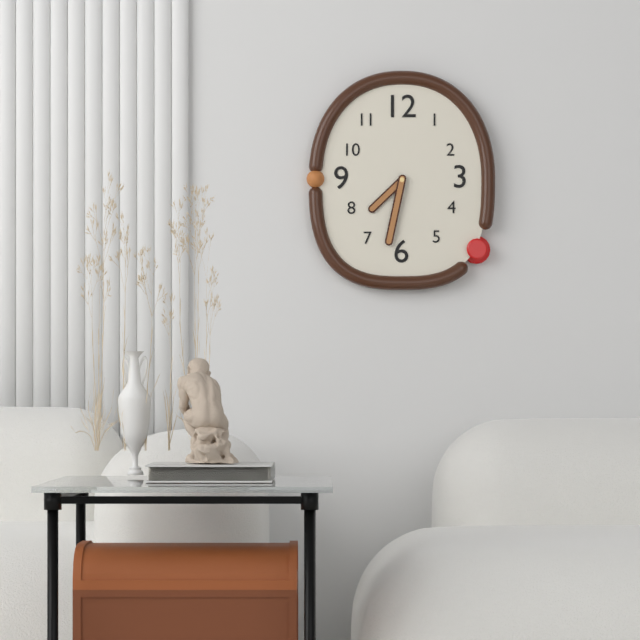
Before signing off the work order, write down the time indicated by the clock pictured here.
7:32
